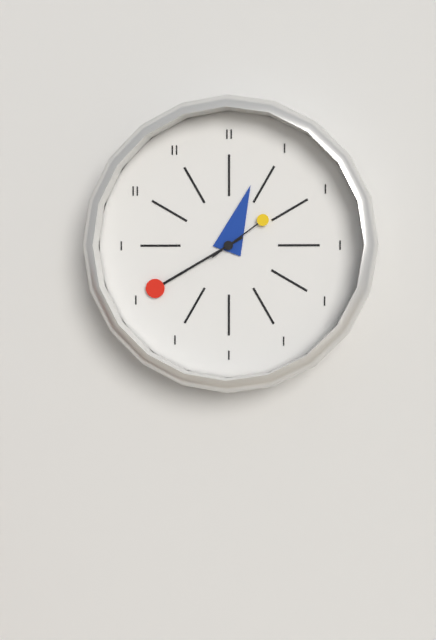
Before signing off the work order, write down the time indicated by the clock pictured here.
12:40:09
